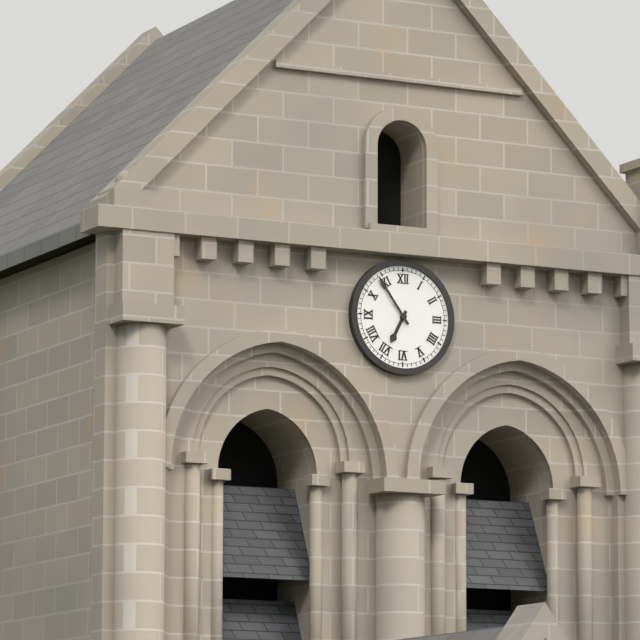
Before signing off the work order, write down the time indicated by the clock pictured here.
6:54
